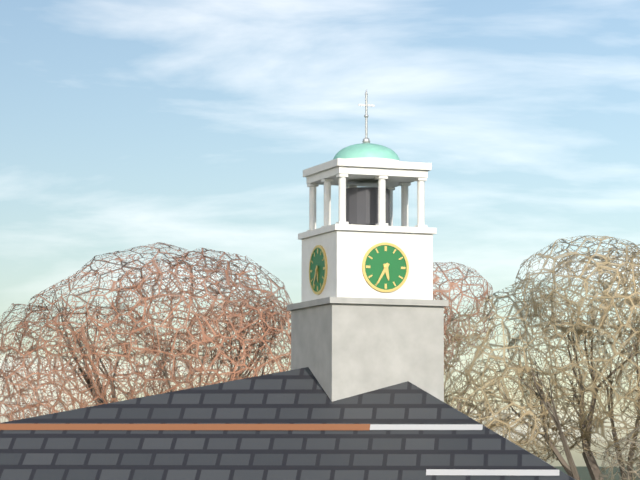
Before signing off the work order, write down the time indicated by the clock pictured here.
5:35
